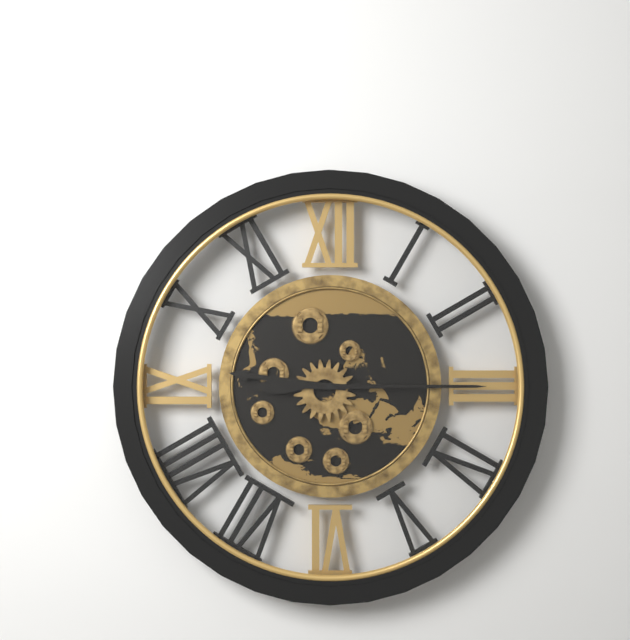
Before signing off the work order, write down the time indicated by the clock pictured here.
9:15
